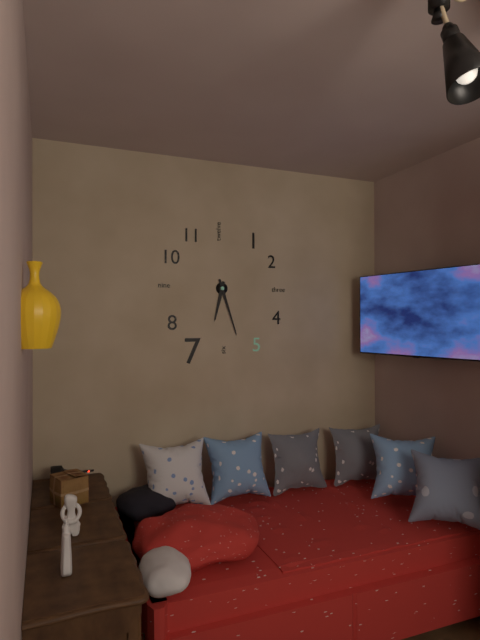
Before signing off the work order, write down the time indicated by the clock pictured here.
6:27
